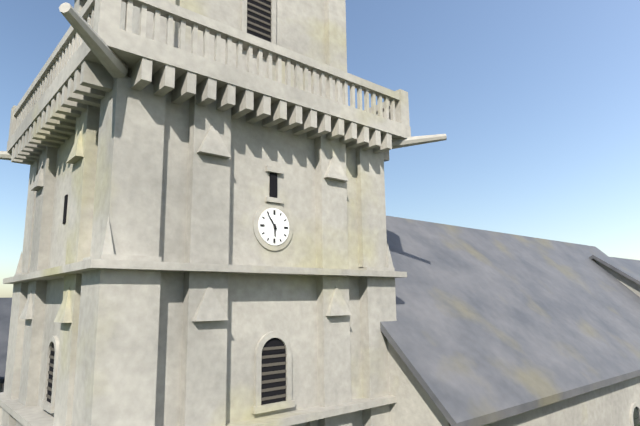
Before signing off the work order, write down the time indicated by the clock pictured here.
5:54
